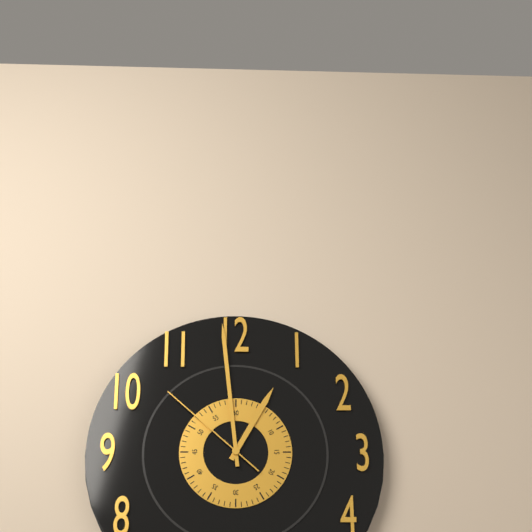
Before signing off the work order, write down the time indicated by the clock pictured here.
12:59:52
